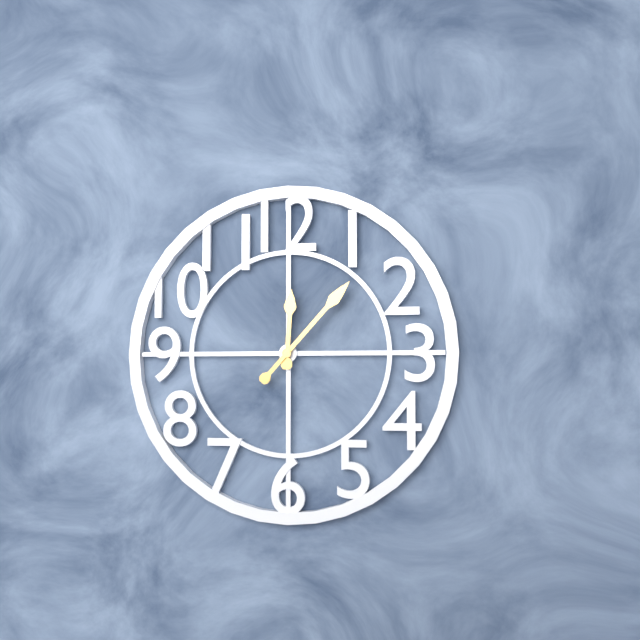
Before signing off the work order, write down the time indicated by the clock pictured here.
12:07
